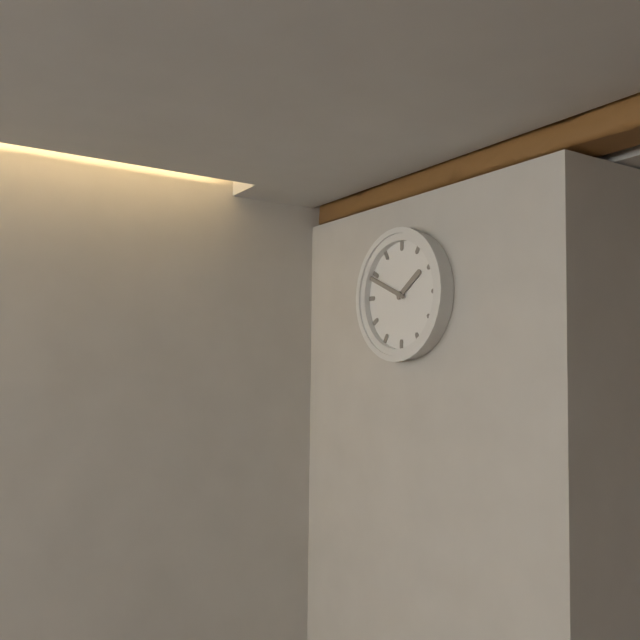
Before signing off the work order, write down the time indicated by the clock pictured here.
1:49
